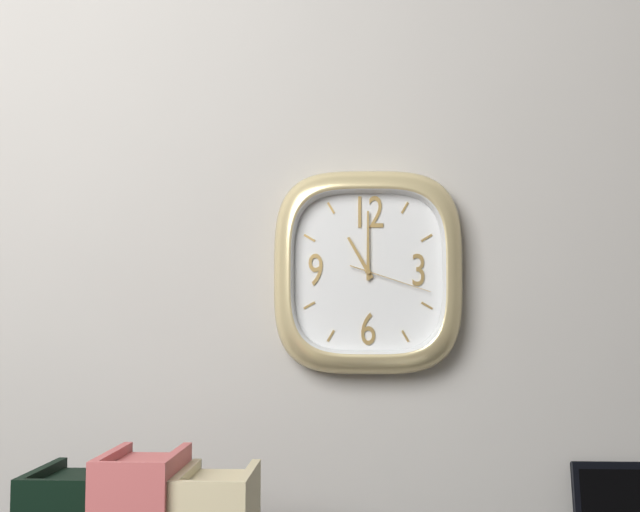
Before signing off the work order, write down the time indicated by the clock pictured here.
11:00:18
